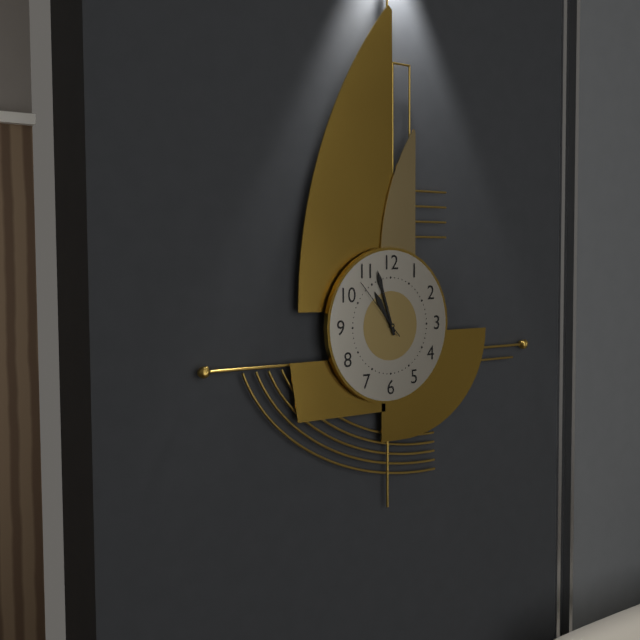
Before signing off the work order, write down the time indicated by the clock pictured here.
10:57:53
